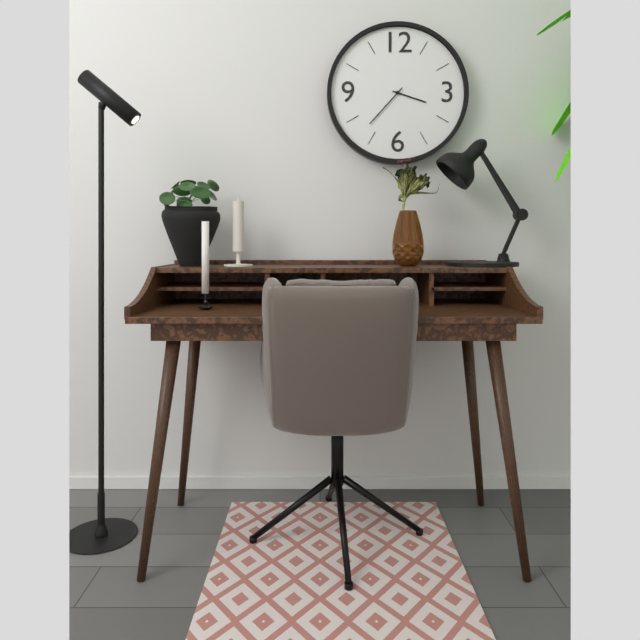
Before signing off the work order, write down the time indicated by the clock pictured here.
3:37
